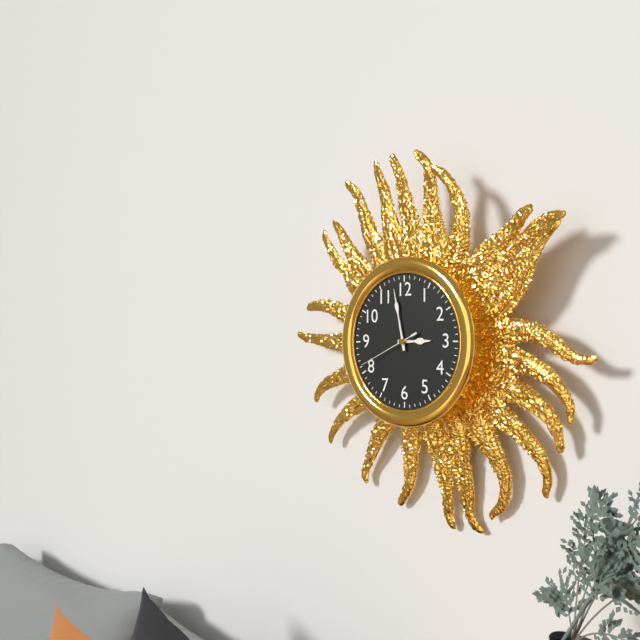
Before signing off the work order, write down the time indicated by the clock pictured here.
2:58:41
